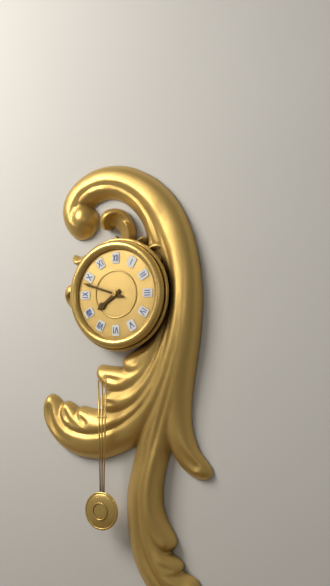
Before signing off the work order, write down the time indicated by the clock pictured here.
7:48
